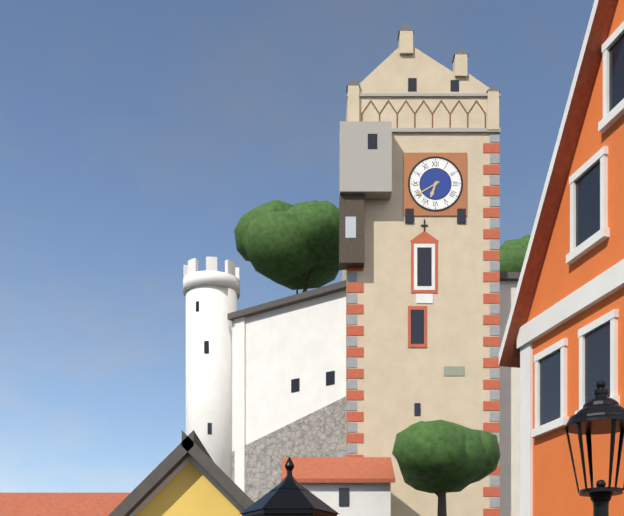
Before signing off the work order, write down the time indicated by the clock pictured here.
6:40
